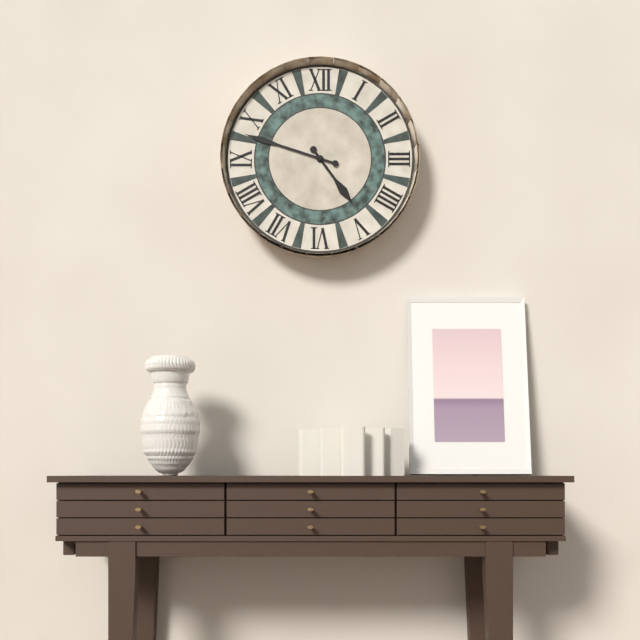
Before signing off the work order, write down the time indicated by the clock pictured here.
4:48
